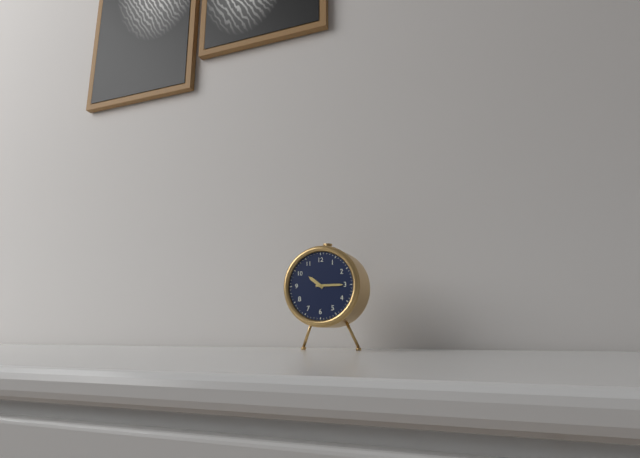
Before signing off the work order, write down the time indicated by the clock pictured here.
10:15
